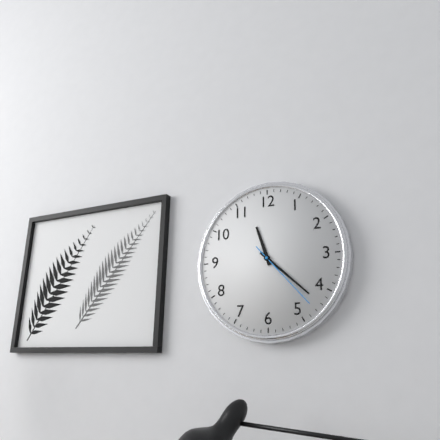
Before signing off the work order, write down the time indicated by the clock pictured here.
11:22:23
